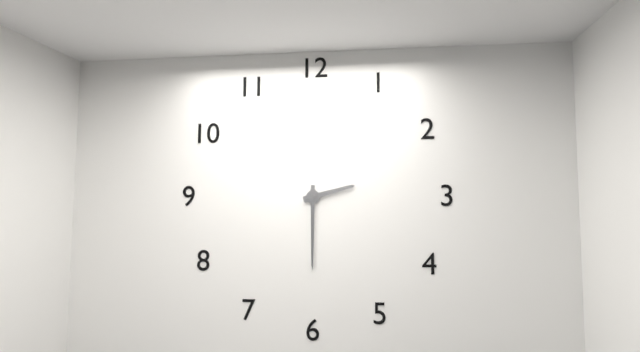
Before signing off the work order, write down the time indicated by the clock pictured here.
2:30
